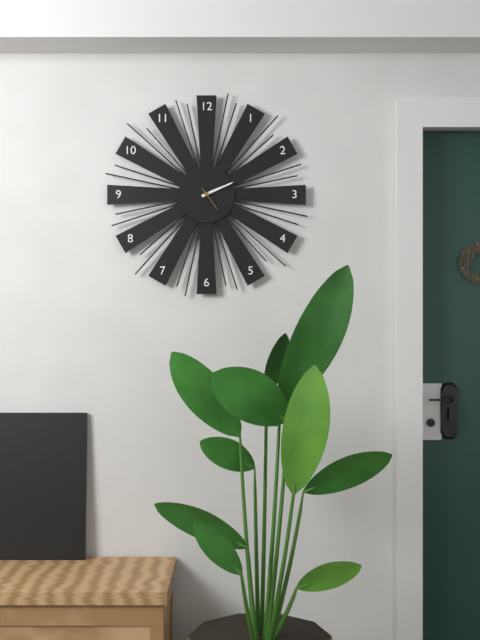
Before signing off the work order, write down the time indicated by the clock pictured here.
2:11
